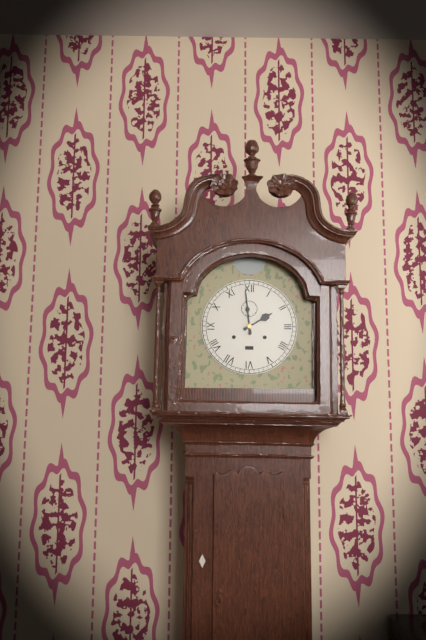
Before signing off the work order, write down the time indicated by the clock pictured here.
1:59
